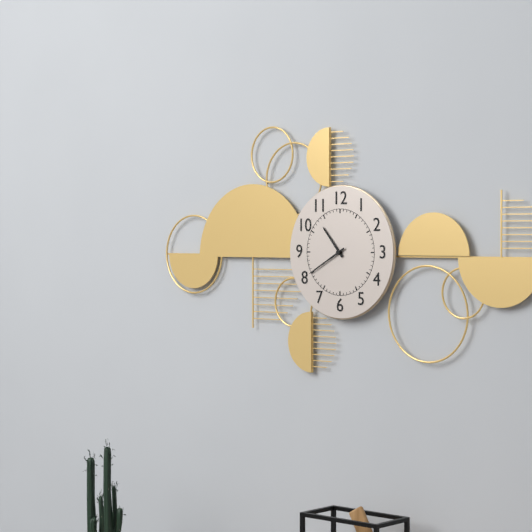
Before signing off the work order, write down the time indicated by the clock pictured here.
10:40
